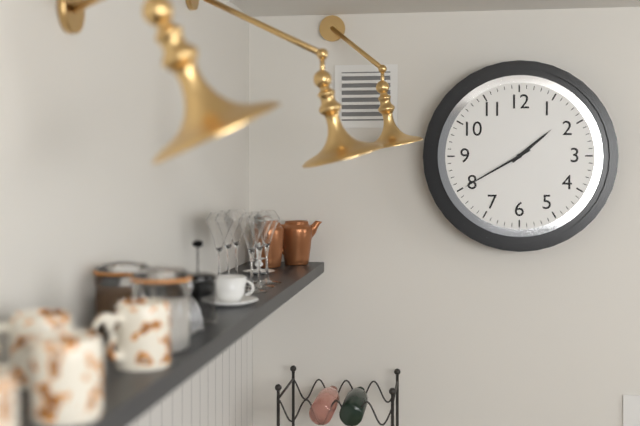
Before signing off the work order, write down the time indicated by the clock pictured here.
1:40
